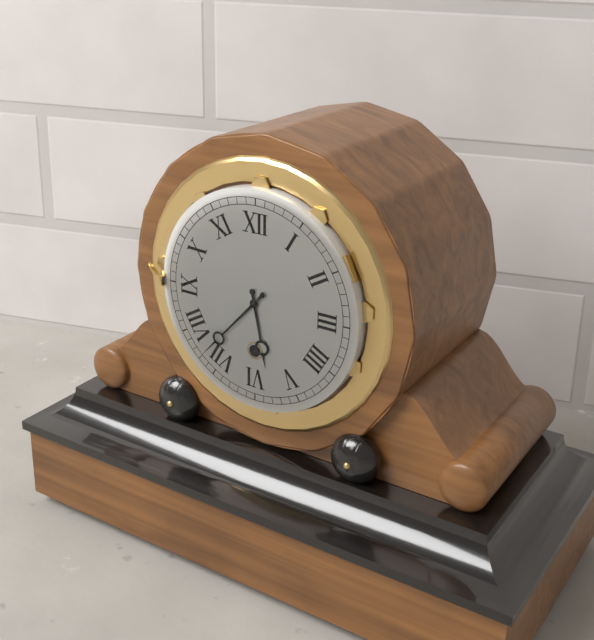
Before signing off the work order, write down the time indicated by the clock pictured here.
5:37
